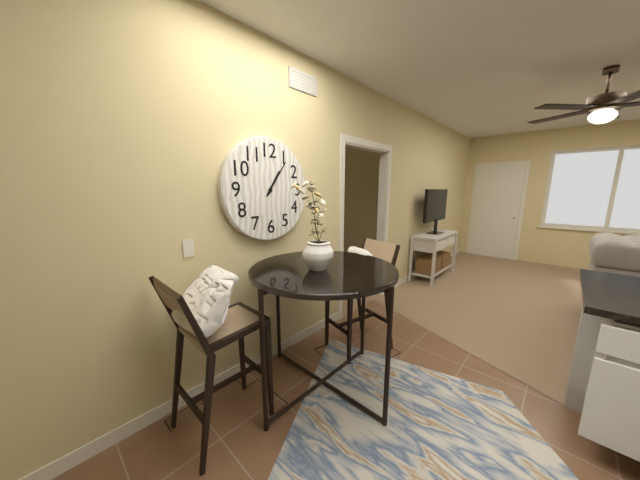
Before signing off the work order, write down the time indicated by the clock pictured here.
1:06
